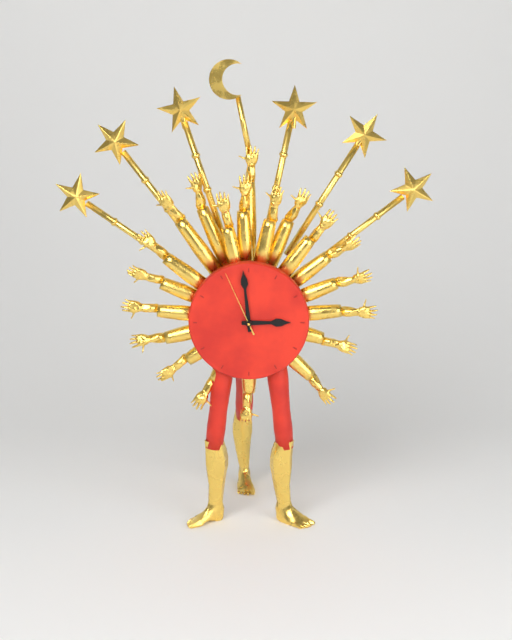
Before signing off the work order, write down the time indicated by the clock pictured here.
2:59:56
